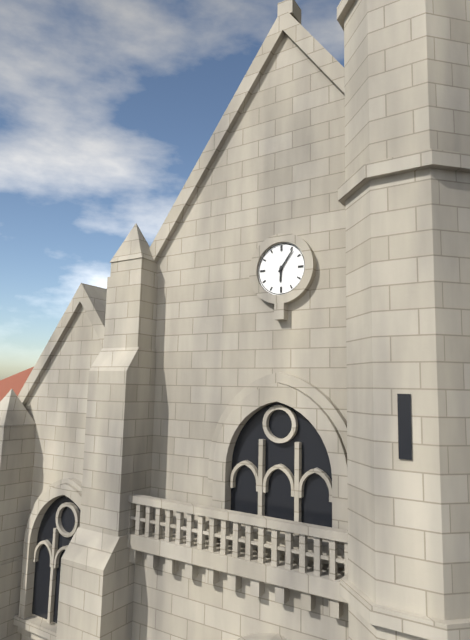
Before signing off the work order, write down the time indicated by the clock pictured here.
6:06
